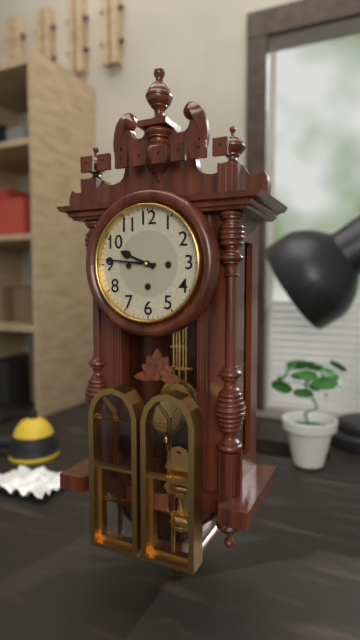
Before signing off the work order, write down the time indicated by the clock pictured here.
9:46
